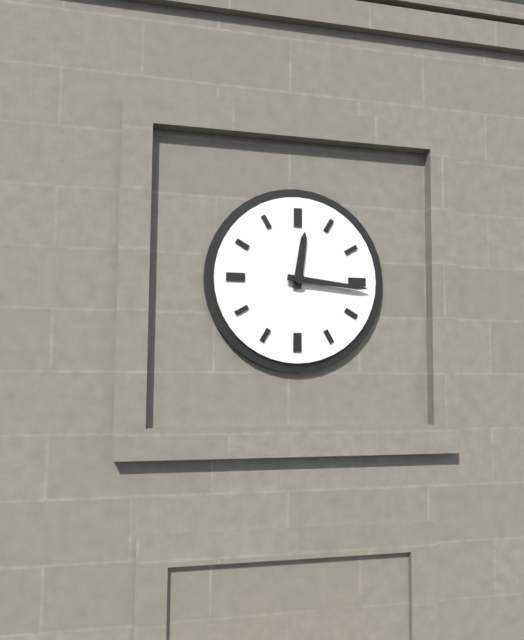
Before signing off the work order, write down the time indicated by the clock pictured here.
12:16
